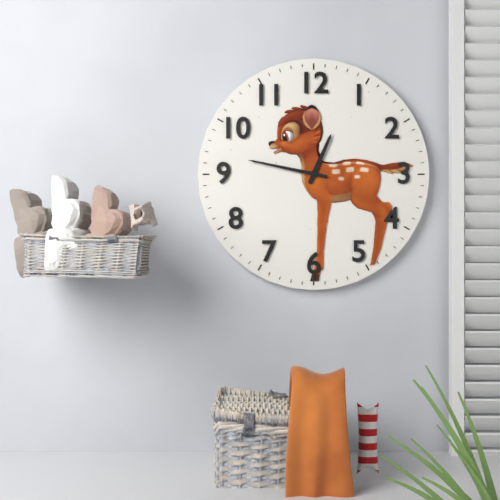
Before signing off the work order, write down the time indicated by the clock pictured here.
12:47
